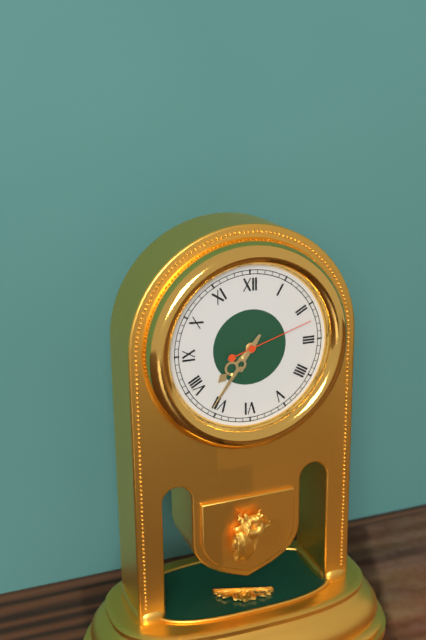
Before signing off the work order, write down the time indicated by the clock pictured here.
7:36:12
